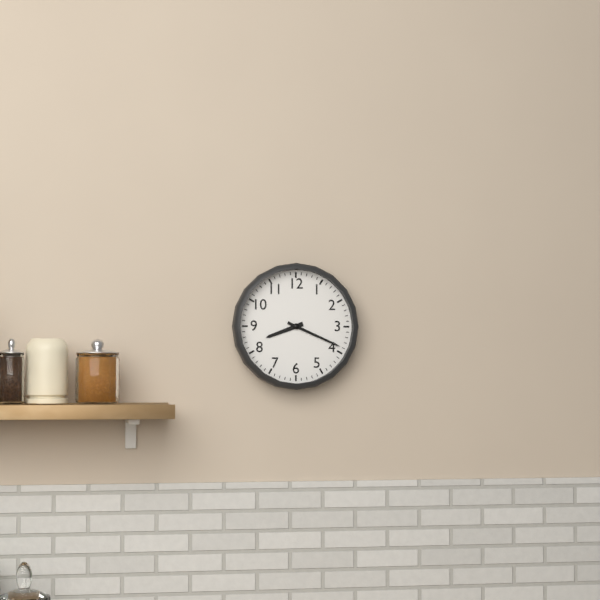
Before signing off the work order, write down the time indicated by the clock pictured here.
8:19
